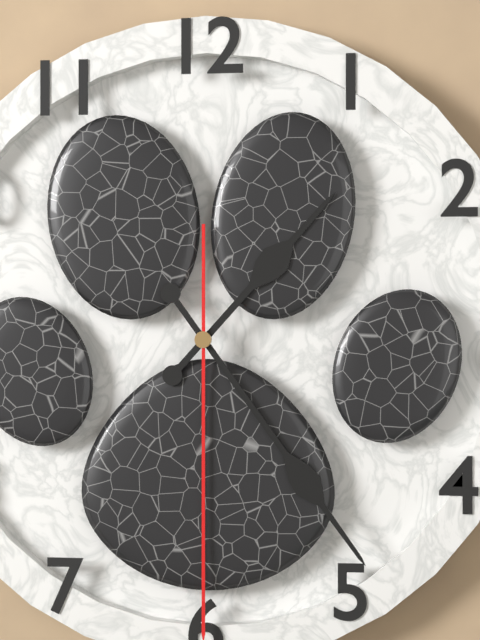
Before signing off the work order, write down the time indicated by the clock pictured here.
1:24
